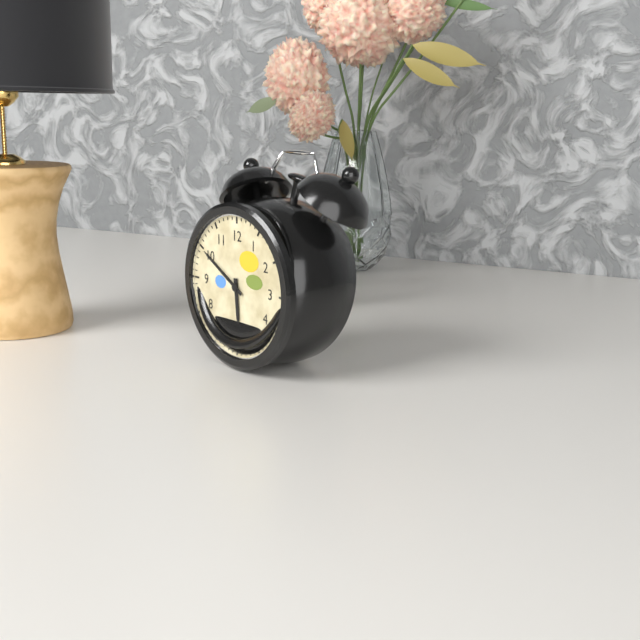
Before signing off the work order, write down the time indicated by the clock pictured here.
5:50
